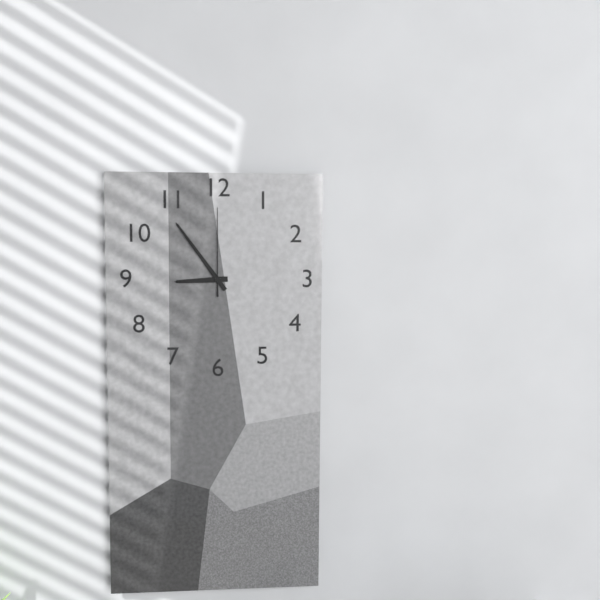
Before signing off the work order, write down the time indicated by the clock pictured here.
8:54:00
